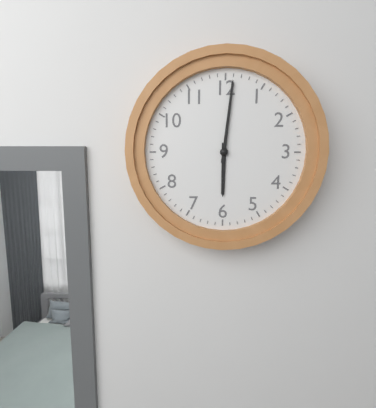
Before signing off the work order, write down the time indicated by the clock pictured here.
6:01
